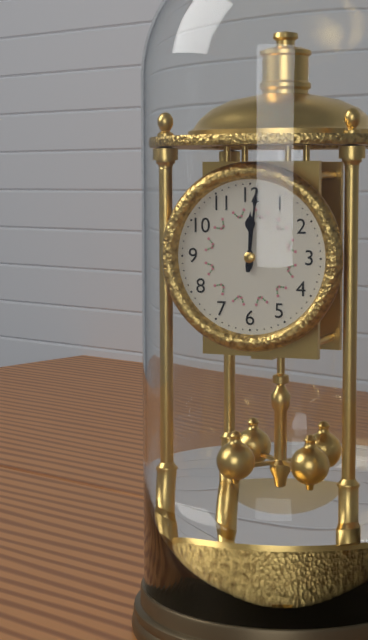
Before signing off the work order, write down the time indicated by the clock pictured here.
12:01
